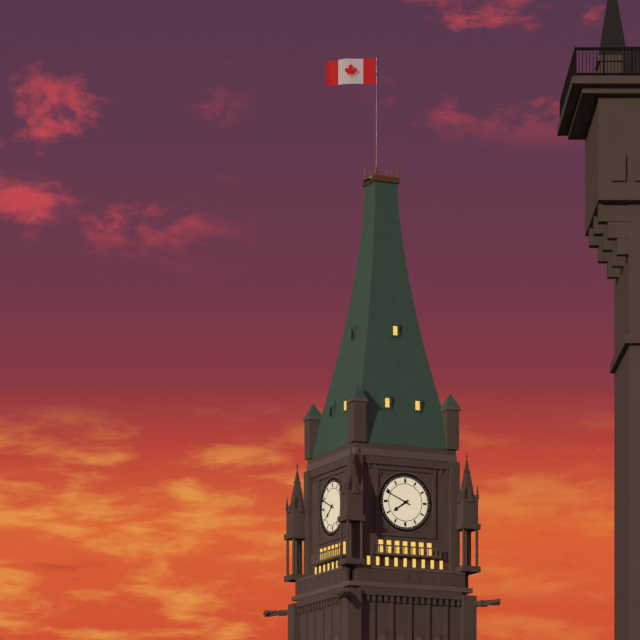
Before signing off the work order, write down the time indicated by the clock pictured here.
7:49
